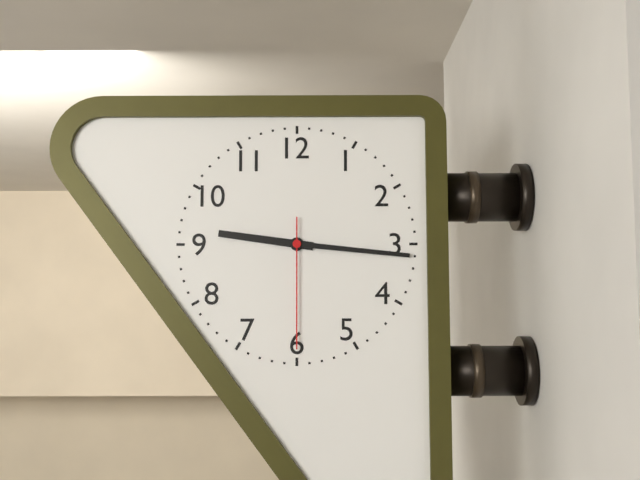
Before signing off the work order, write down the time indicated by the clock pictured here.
9:16:30
